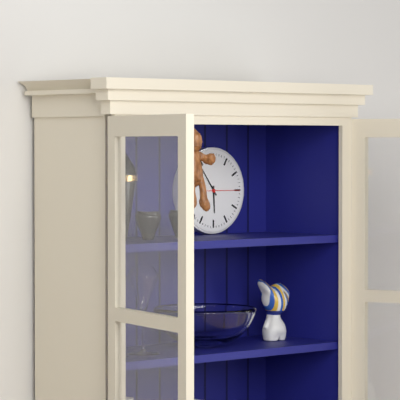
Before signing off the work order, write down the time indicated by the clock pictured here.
5:54
